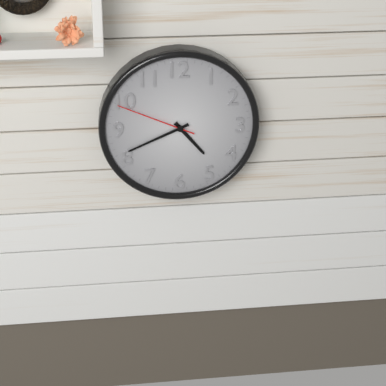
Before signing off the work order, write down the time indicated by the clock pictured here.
4:41:49
